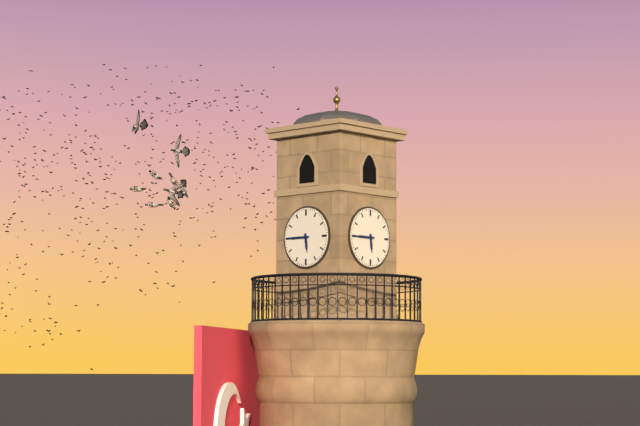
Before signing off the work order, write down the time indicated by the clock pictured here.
5:45
